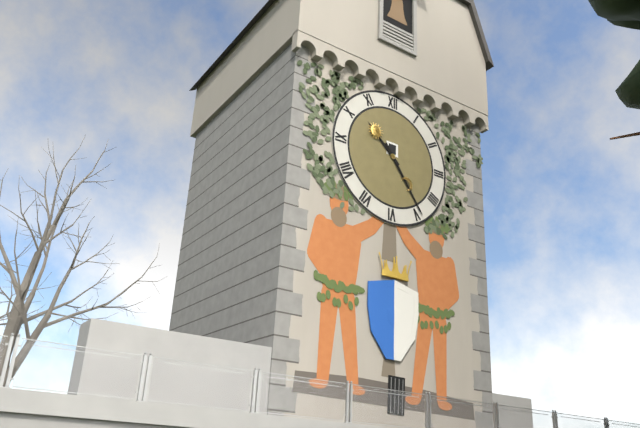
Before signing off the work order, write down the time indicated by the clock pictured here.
10:24
